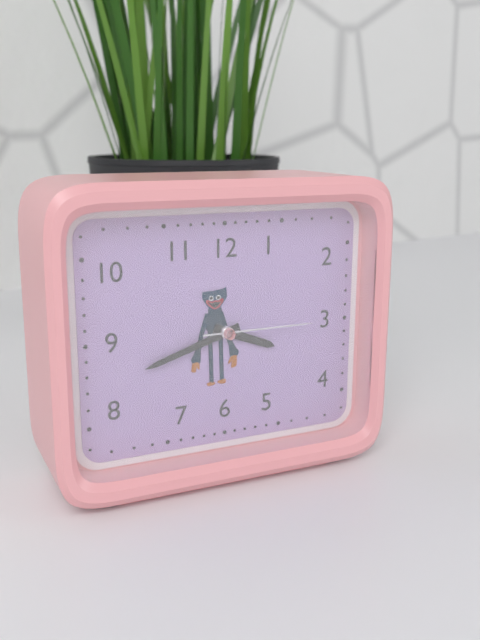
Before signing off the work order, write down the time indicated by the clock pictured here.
3:42:15
